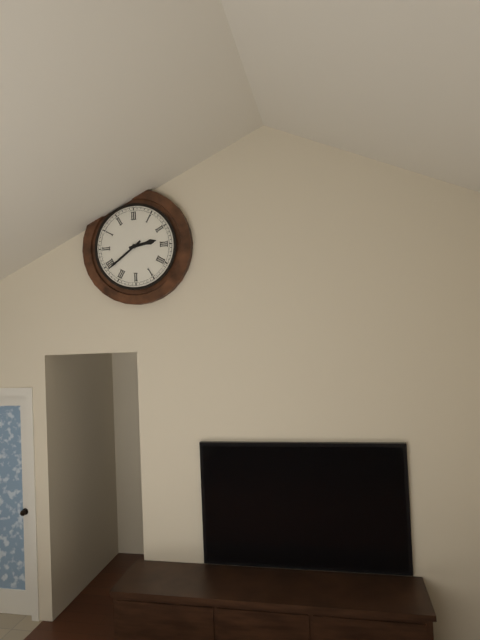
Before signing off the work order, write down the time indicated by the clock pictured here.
2:39
